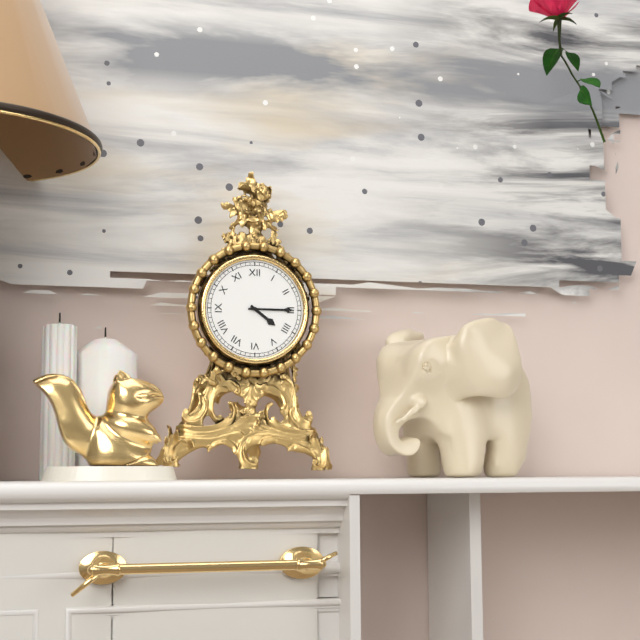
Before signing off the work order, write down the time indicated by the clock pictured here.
4:15
